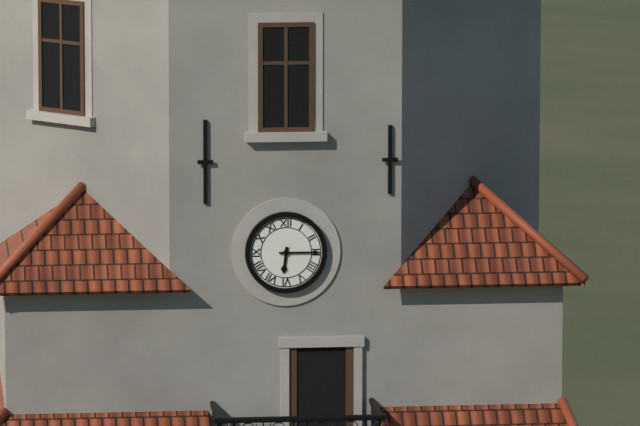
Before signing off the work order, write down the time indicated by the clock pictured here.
6:15
